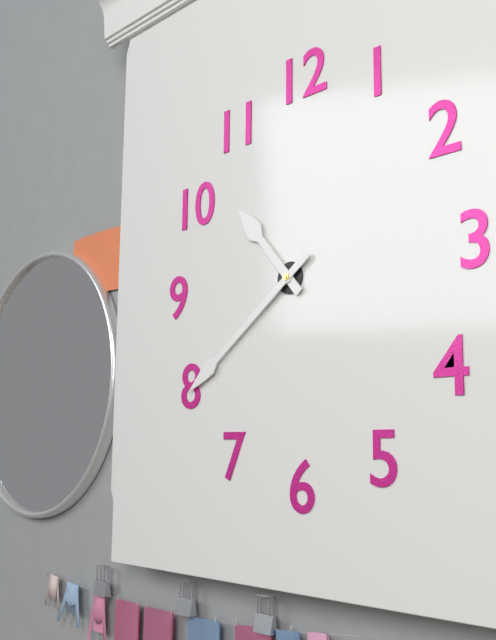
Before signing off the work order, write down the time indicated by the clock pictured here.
10:39
